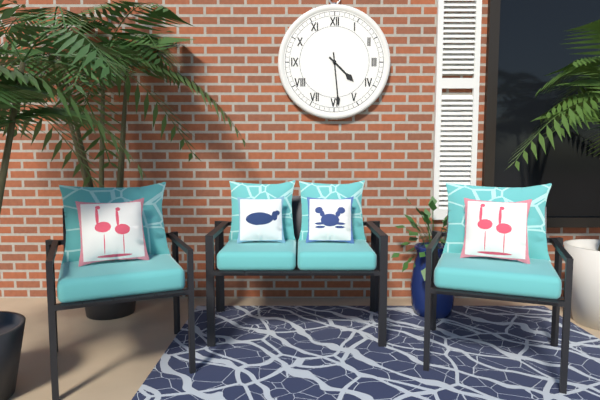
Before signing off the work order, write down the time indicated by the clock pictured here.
4:29
